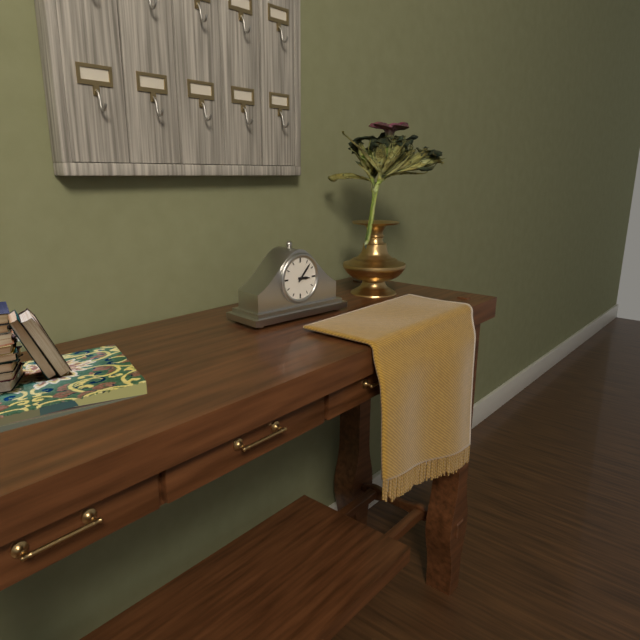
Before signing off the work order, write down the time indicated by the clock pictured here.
3:07
